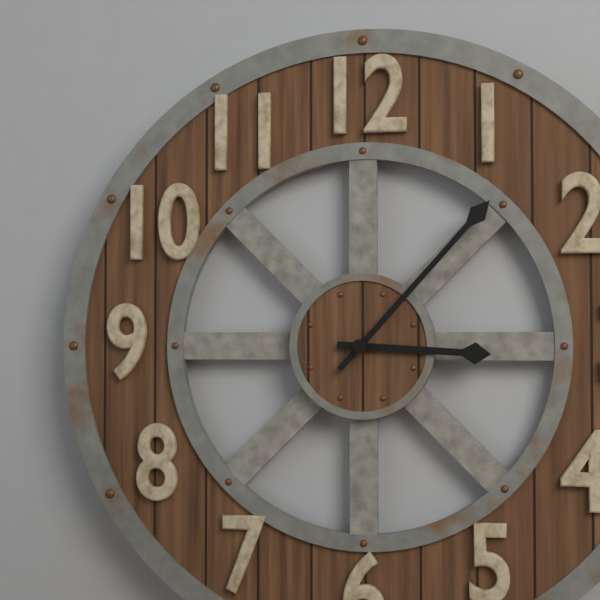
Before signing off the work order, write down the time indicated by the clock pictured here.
3:07
